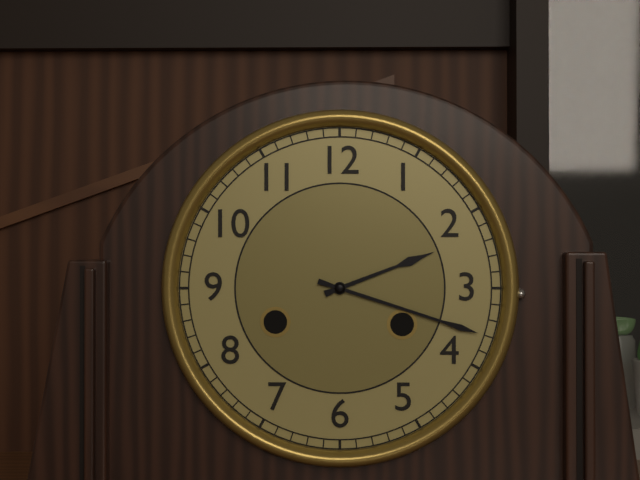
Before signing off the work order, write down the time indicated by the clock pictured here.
2:18
